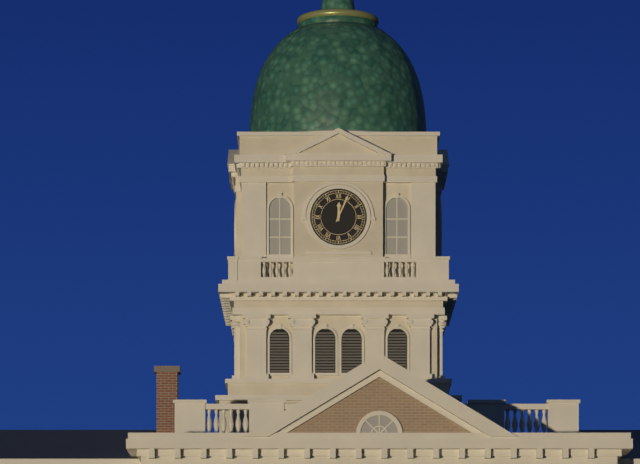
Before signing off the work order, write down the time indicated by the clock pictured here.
12:04
